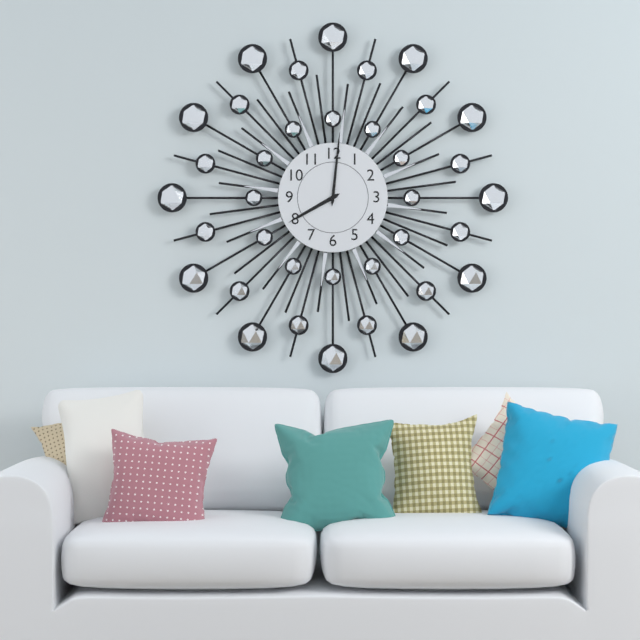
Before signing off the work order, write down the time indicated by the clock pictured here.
8:01
